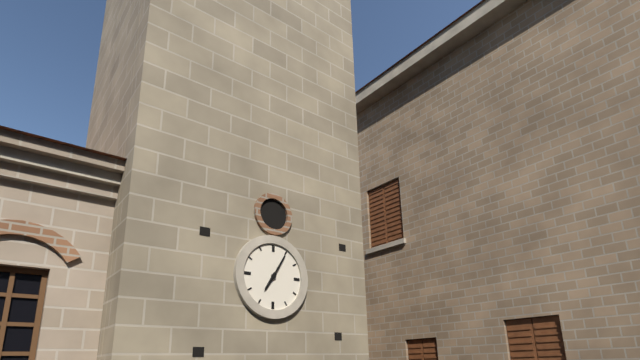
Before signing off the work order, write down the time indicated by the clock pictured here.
7:05
